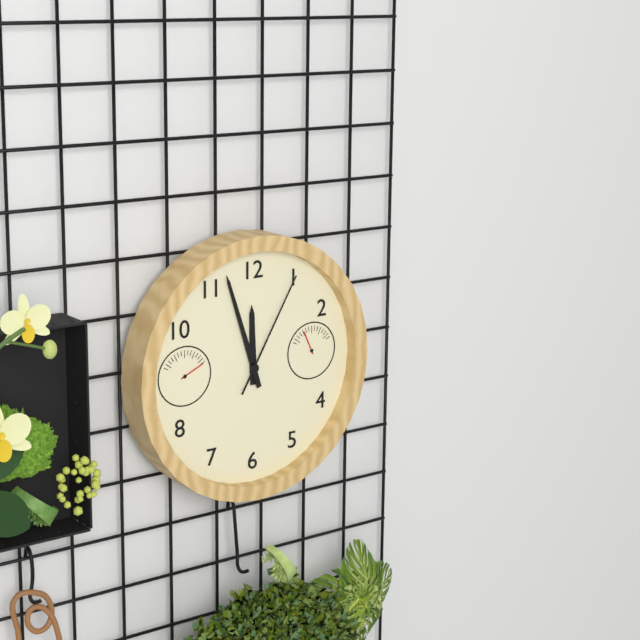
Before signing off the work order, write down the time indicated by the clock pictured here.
11:57:05
